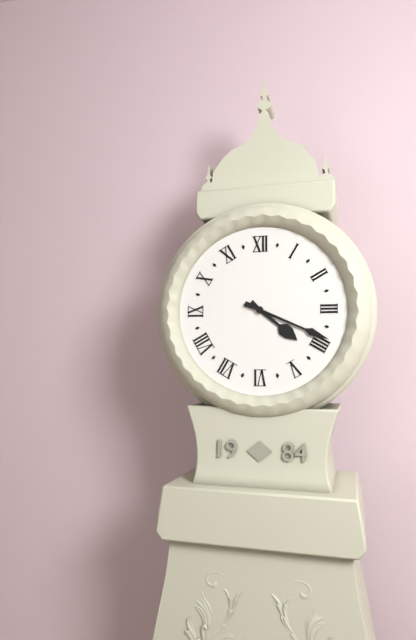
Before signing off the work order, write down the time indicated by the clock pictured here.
4:19
